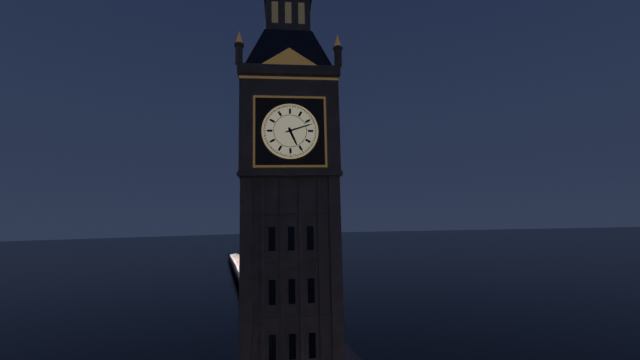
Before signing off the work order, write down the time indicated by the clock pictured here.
5:12
